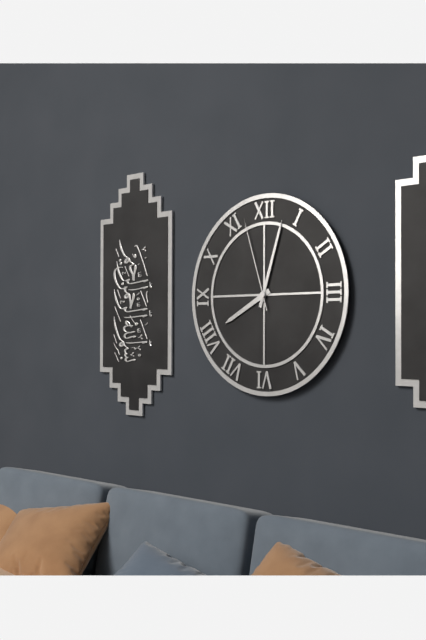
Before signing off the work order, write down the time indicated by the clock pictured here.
8:03:57
